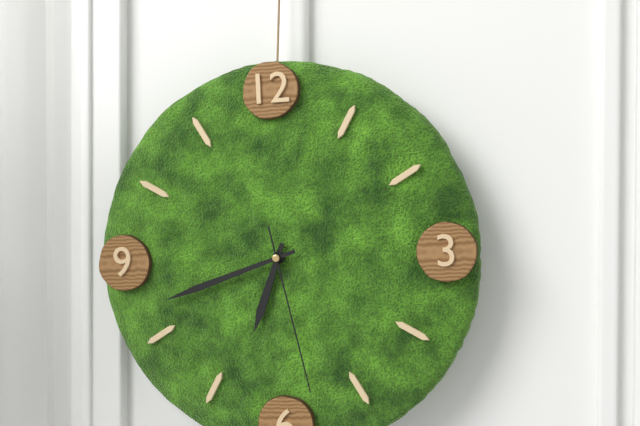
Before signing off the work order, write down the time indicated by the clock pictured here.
6:42:28
